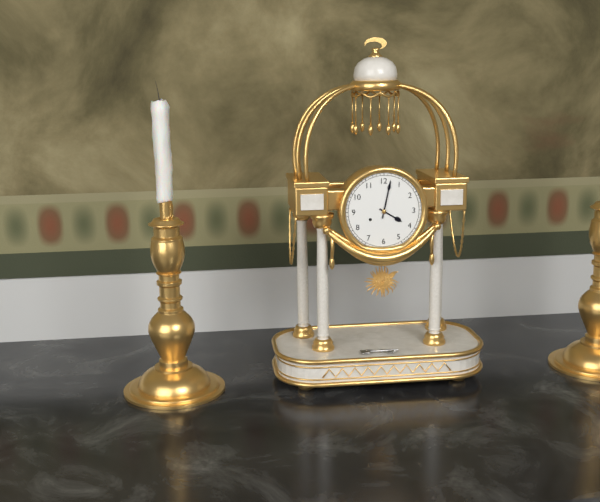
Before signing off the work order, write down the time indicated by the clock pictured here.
4:02
